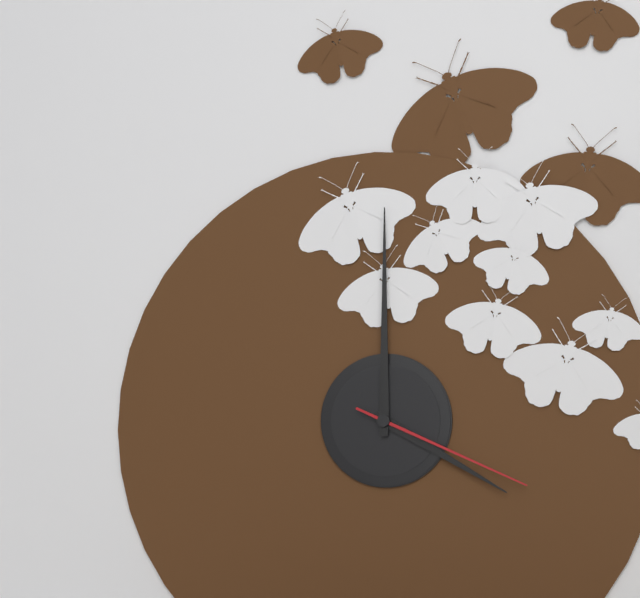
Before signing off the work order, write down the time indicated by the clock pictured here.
4:00:19
